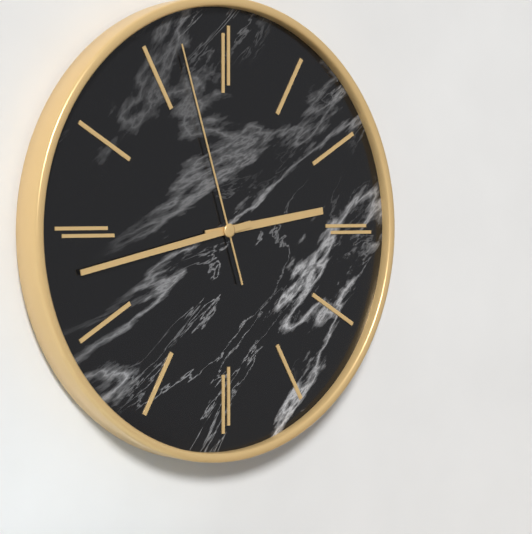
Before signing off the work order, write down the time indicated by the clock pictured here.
2:43:57
